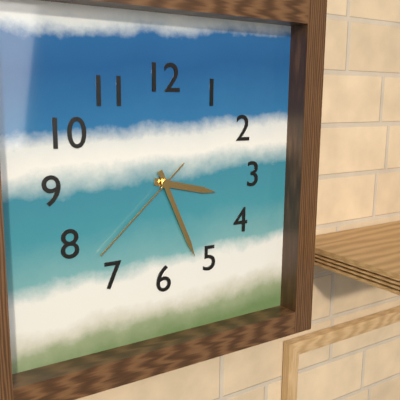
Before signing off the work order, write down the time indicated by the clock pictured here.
3:26:38
